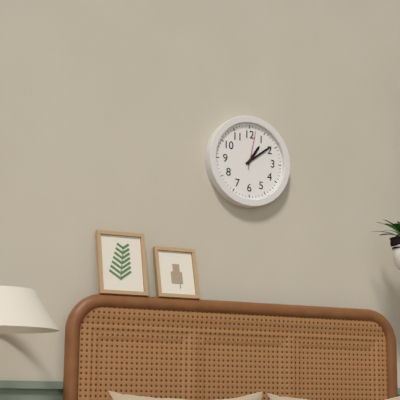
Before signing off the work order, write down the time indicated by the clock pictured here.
1:09
